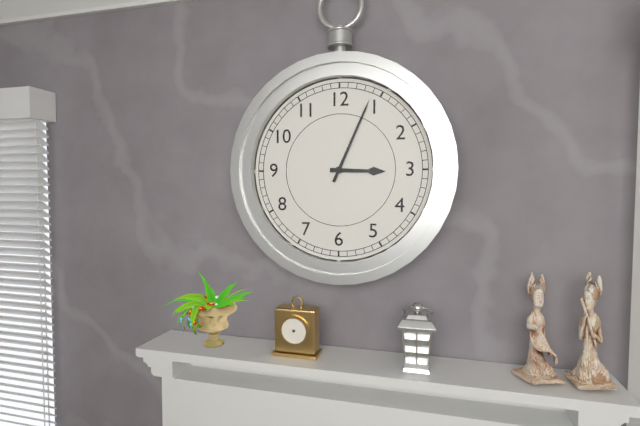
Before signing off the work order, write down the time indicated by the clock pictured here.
3:04
